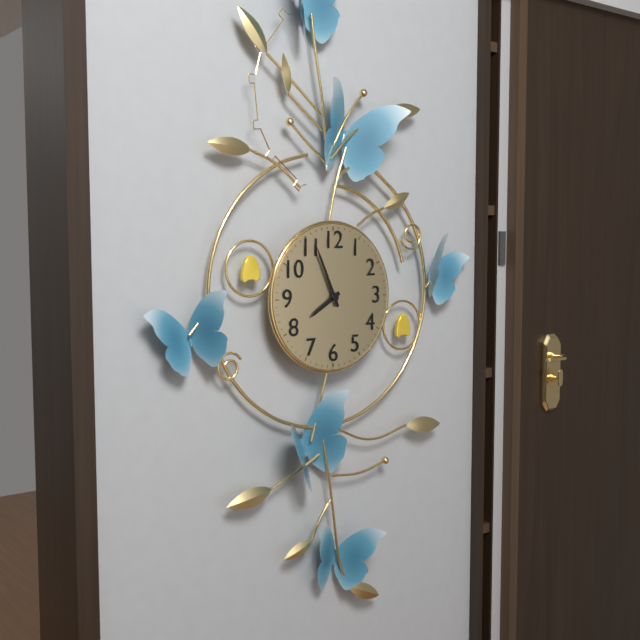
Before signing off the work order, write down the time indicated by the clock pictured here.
7:56
